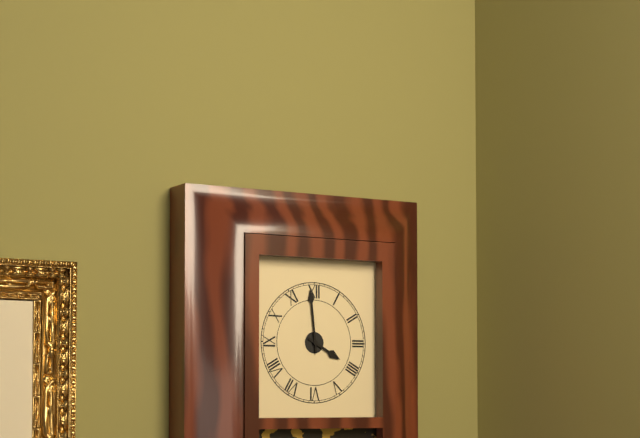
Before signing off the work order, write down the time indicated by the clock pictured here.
3:59
